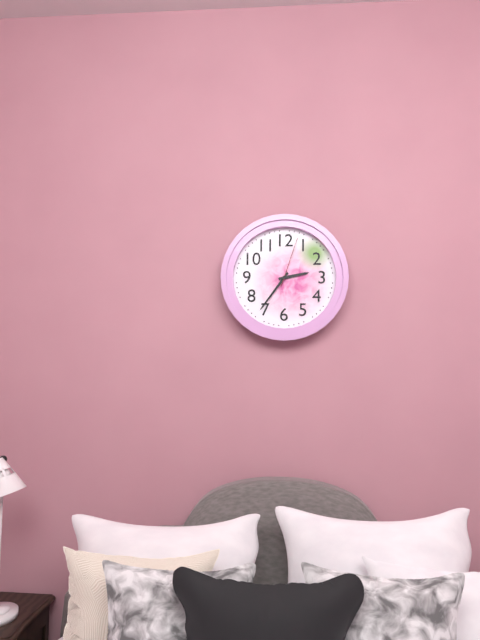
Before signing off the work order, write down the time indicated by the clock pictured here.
2:36:03
